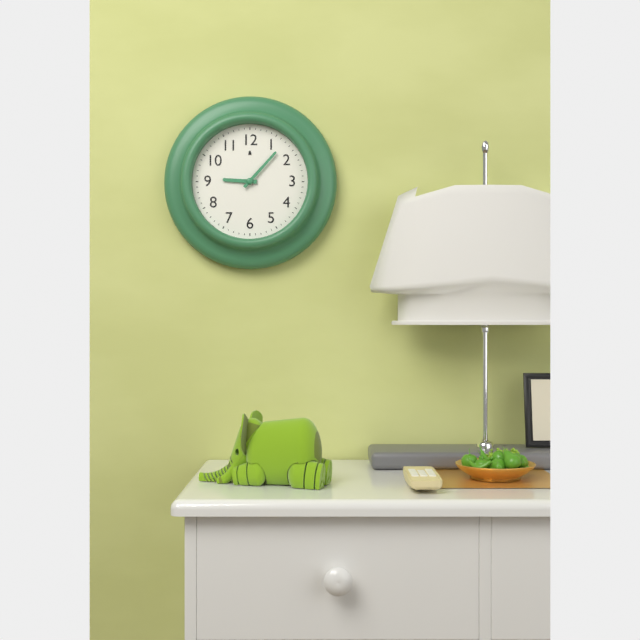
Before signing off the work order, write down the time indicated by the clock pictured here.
9:07
